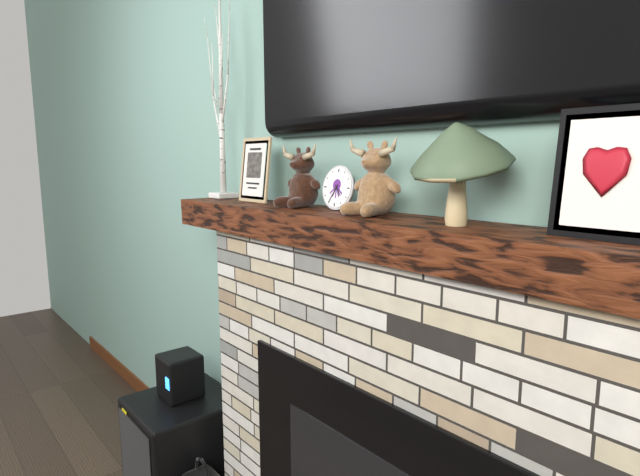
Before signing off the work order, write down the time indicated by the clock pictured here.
4:35
